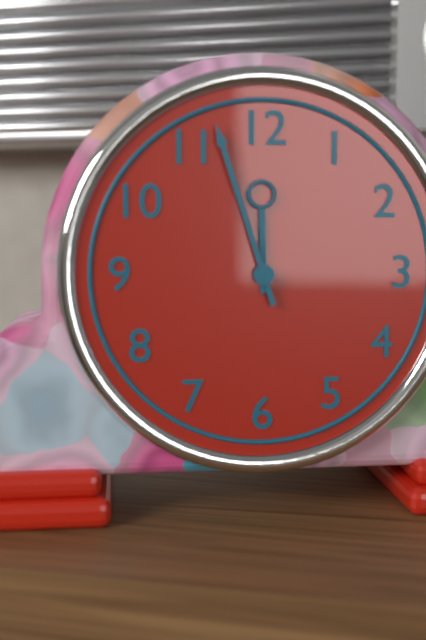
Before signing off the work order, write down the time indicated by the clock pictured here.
11:57
